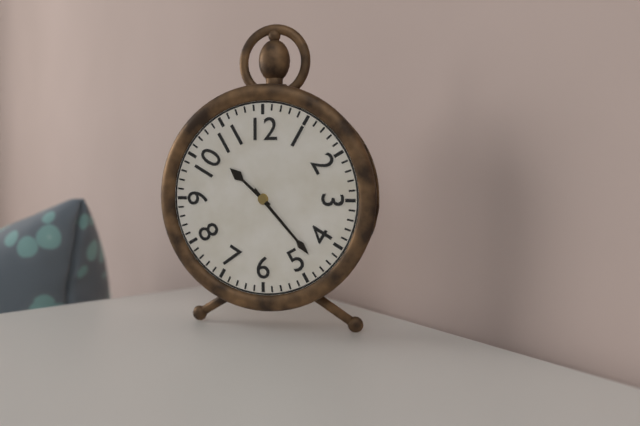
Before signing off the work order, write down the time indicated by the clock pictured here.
10:23
